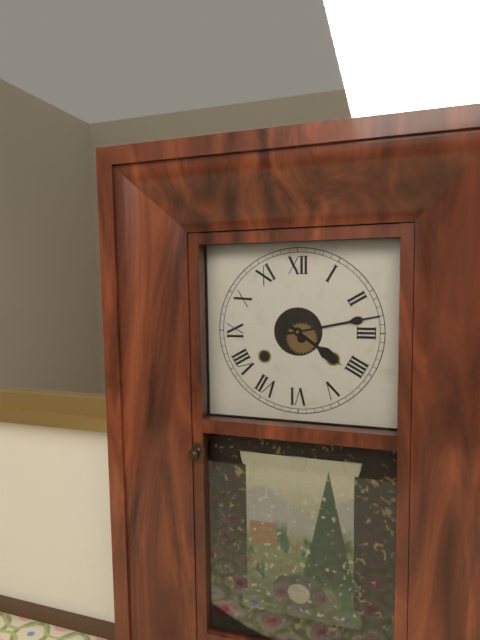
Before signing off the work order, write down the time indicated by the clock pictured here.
4:13
